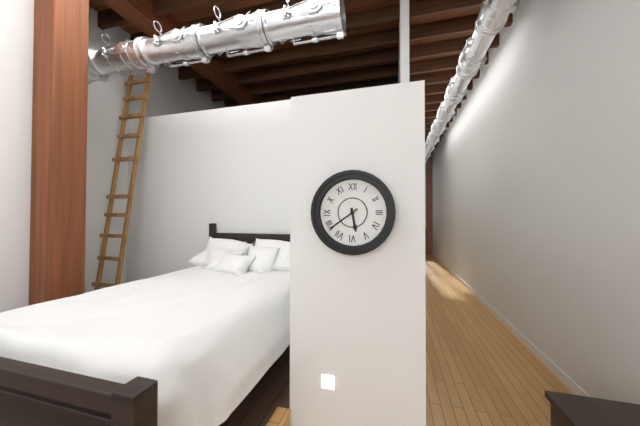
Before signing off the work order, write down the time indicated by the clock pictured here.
5:39
